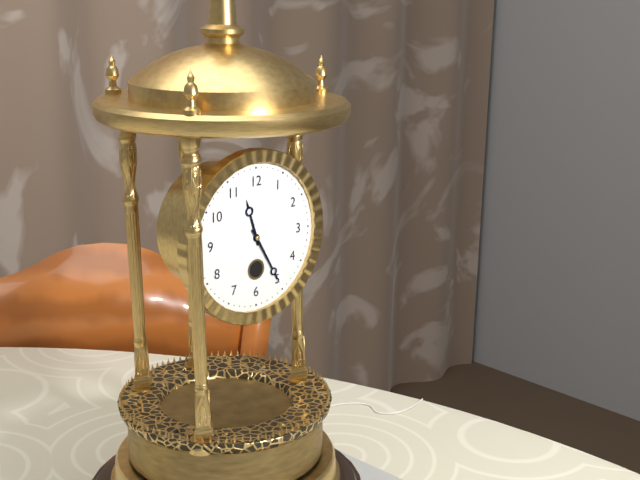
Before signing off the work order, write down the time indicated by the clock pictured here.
11:25
